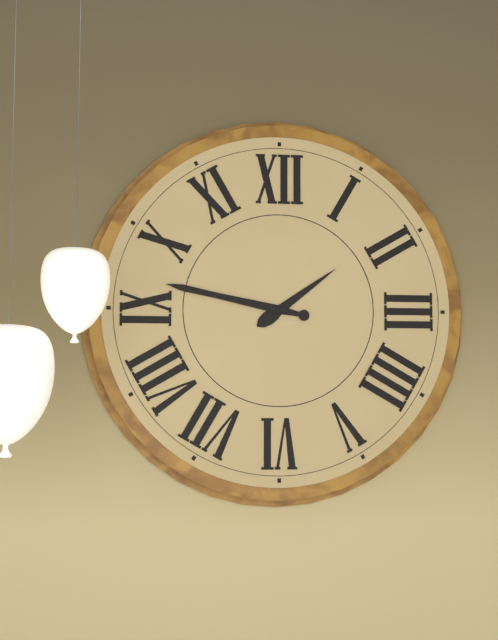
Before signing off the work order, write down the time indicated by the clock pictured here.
1:47
